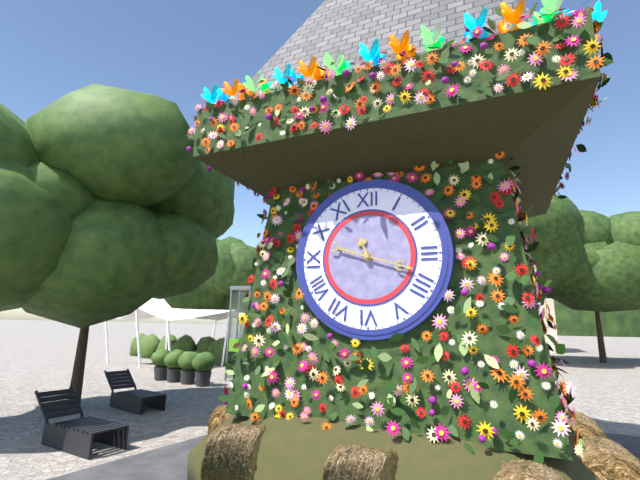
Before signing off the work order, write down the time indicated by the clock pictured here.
11:18
